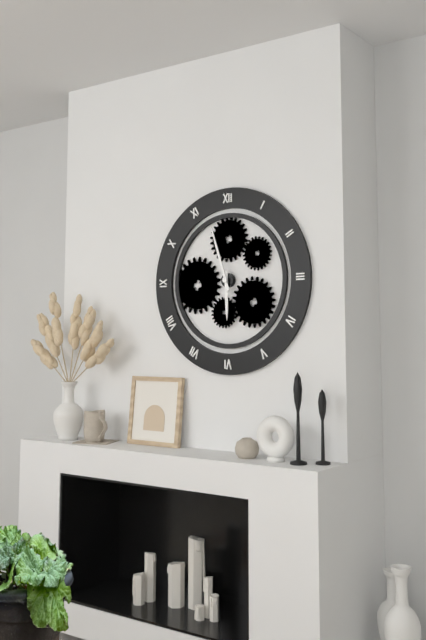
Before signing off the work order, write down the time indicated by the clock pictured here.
5:57
